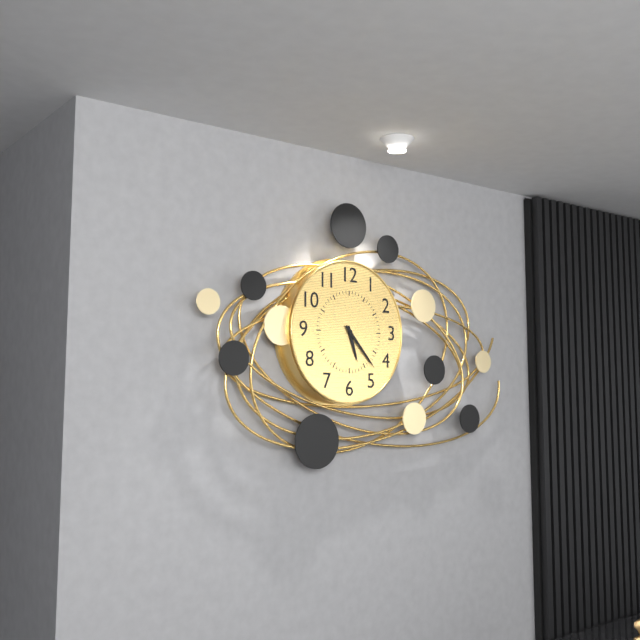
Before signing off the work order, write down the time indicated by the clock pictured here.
5:23
